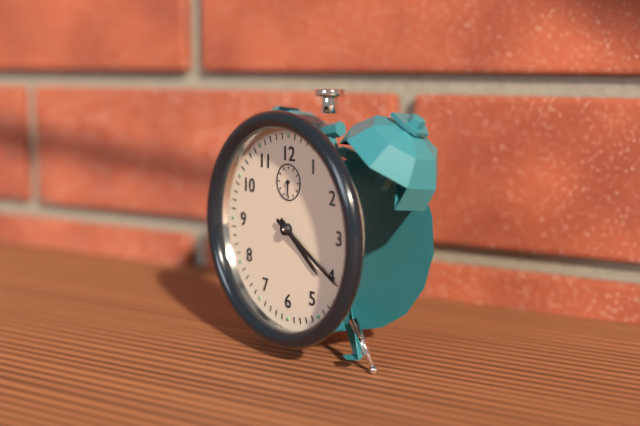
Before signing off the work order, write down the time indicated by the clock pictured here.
4:20
